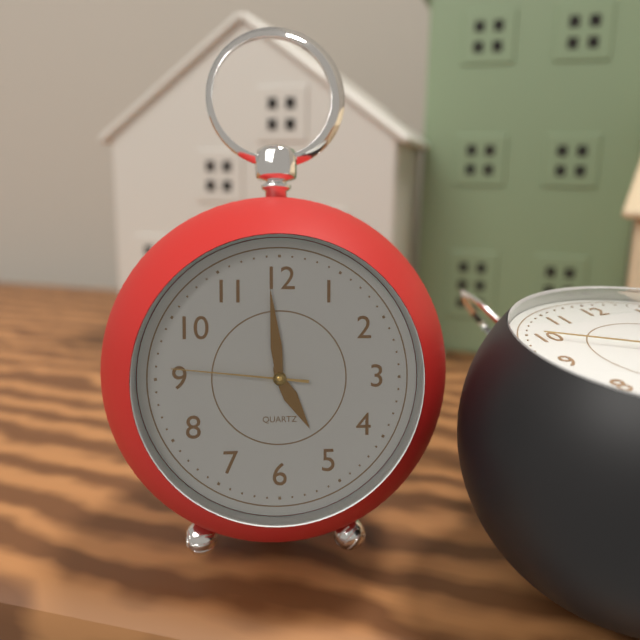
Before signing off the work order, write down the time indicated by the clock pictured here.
4:59:46
